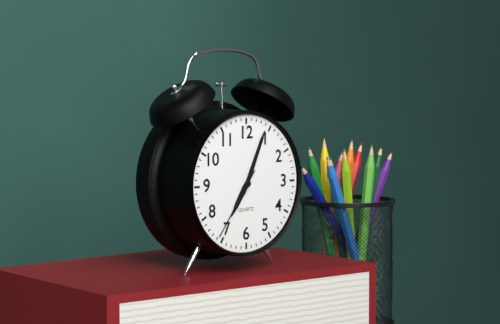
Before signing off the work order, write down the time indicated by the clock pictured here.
7:04:36
